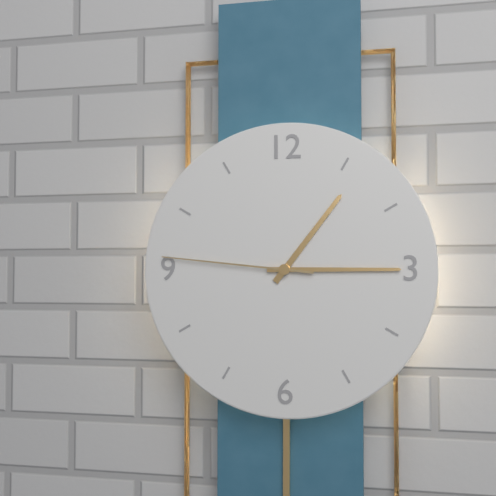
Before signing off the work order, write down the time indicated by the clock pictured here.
1:15:46
